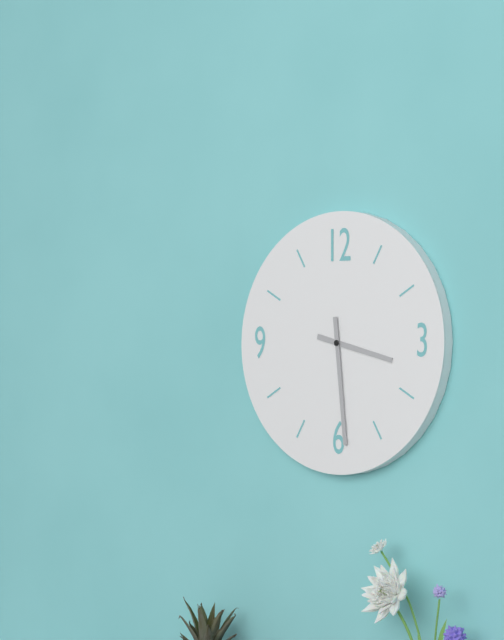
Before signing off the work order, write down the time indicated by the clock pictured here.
3:29
